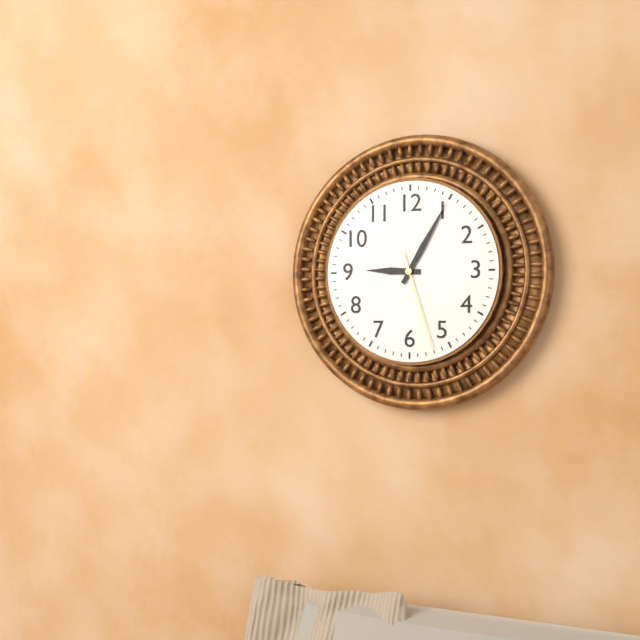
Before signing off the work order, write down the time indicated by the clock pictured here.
9:05:27
